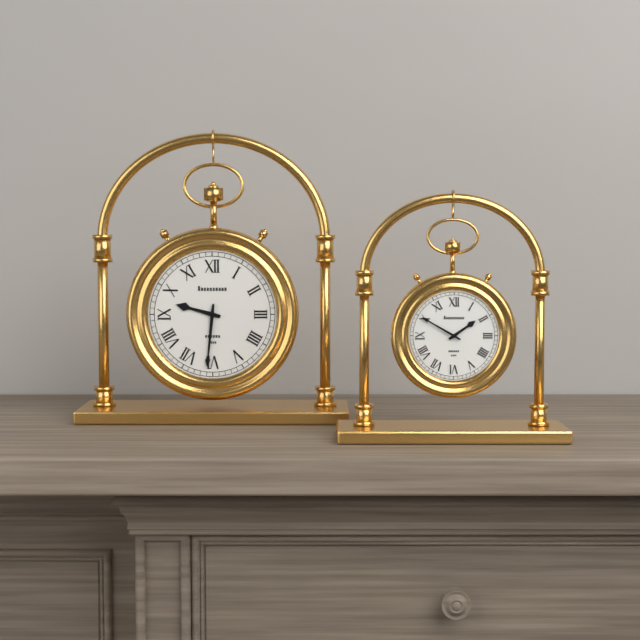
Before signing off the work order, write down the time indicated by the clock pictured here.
9:31
